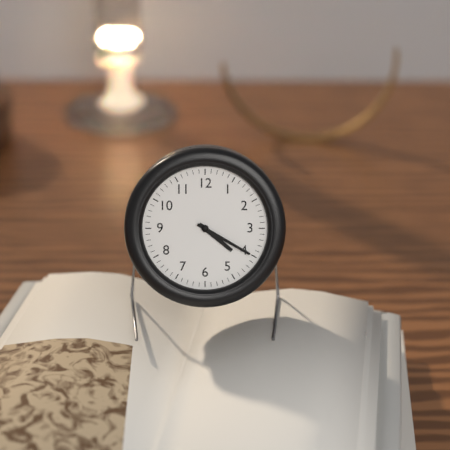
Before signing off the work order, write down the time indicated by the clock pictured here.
4:20
